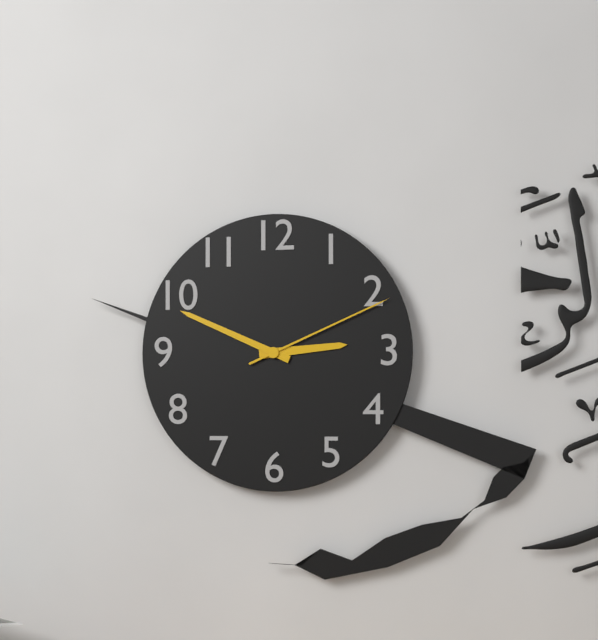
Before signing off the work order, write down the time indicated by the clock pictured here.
2:49:11
